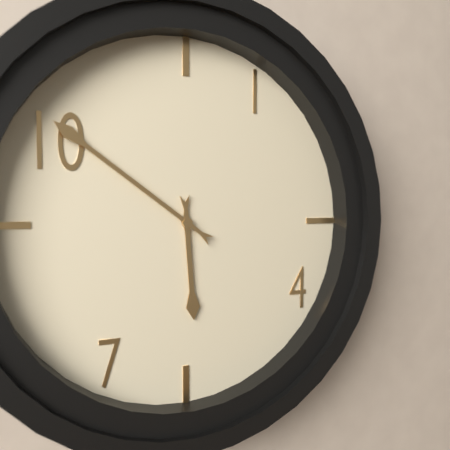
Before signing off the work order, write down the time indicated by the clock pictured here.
5:51
